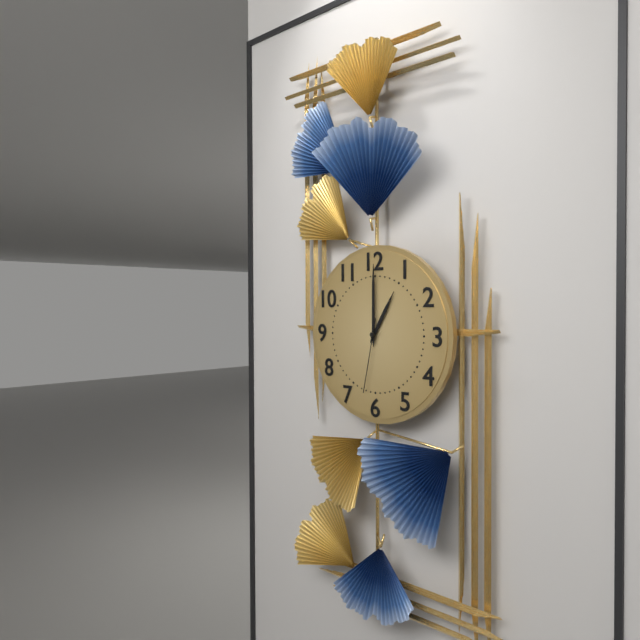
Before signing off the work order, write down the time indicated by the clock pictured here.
1:00:32
